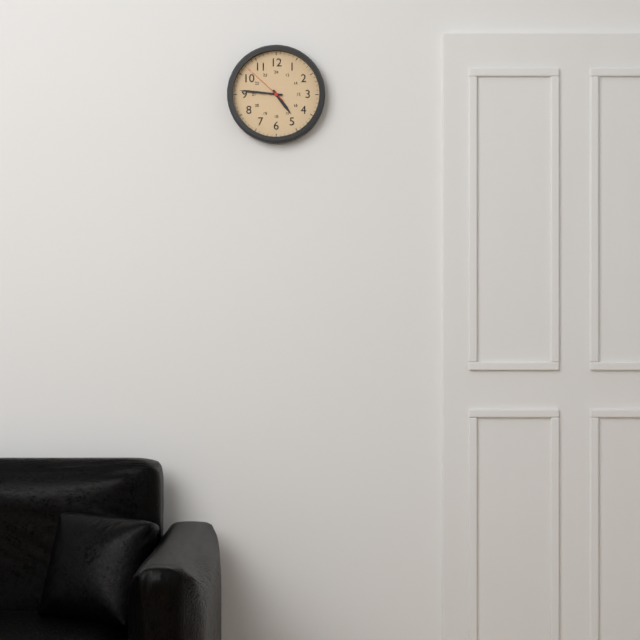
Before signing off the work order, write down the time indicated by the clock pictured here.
4:46
